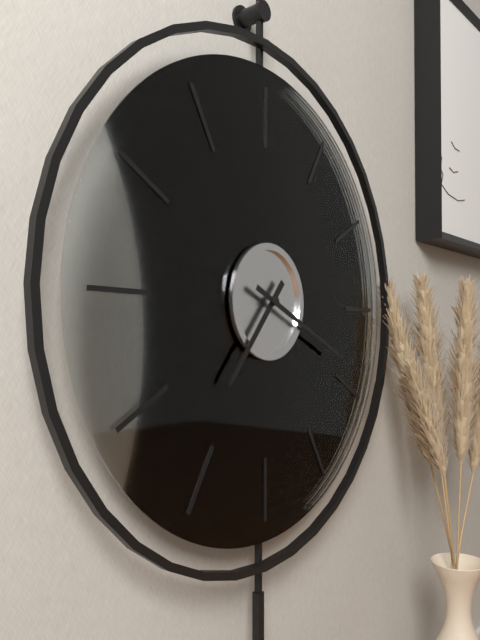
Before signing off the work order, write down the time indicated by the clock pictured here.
7:19
